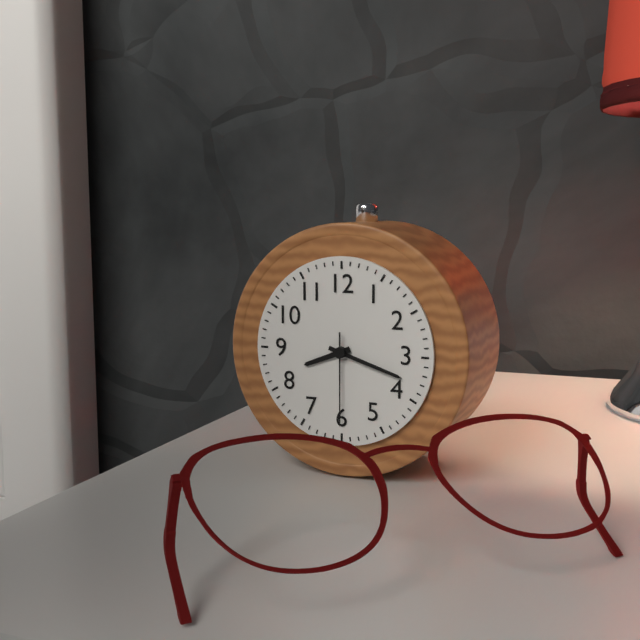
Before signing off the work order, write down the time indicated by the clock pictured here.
8:18:30
